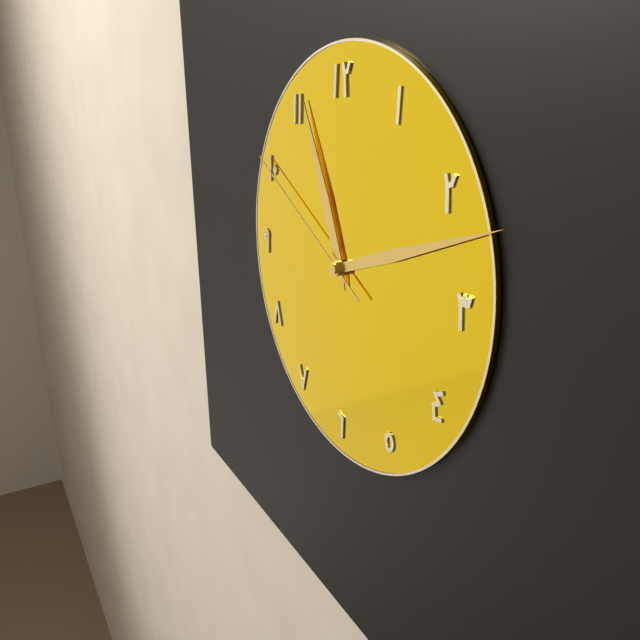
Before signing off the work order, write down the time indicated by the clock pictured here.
11:12:50
